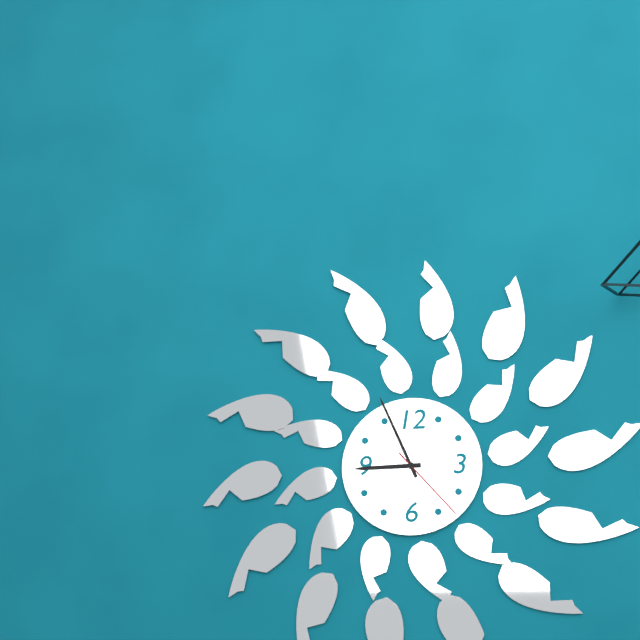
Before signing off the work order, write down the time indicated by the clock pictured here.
8:56:23
